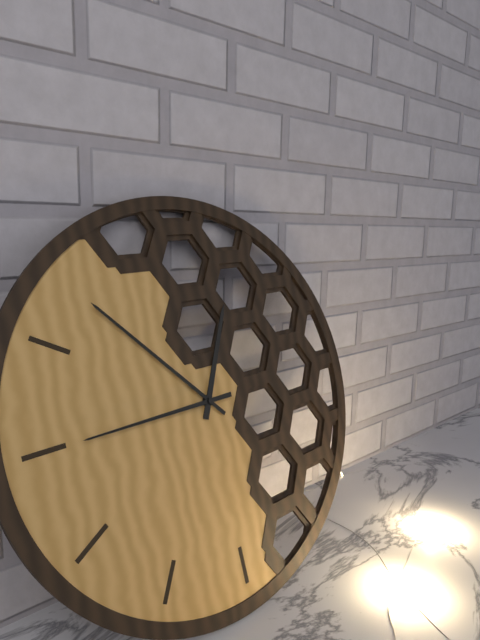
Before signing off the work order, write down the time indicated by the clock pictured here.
12:53:45
